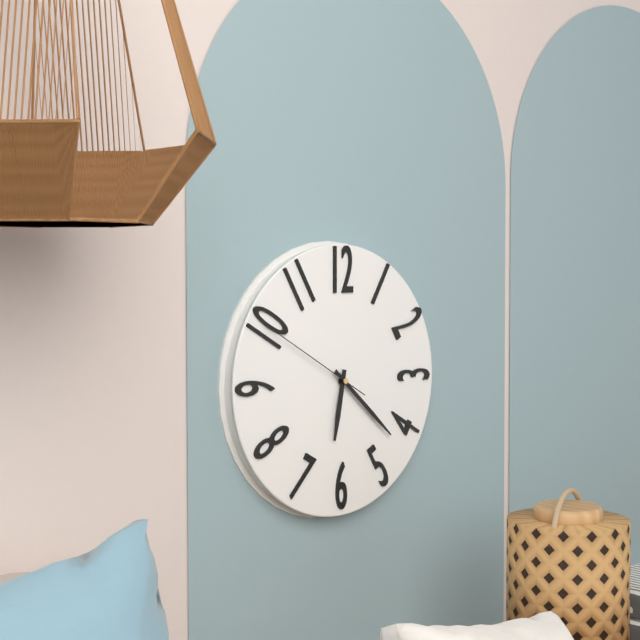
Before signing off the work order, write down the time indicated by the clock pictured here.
6:22:50
